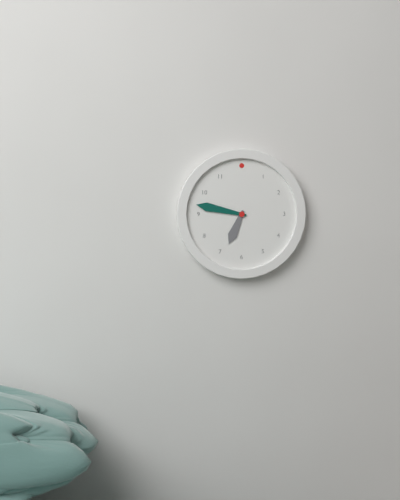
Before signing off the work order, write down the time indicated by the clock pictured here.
6:47
